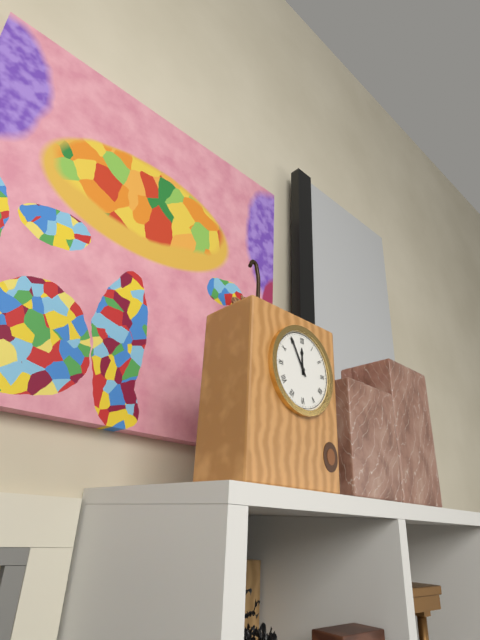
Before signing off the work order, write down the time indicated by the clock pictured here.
11:55
